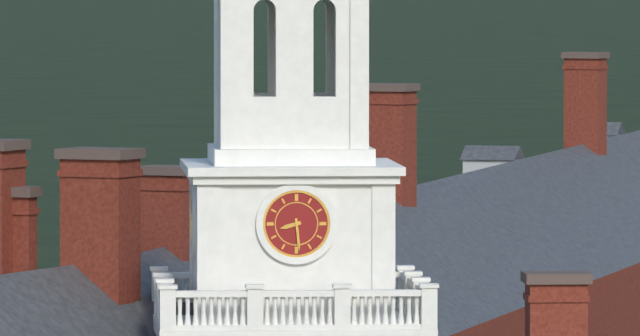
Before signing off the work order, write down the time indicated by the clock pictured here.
8:29
